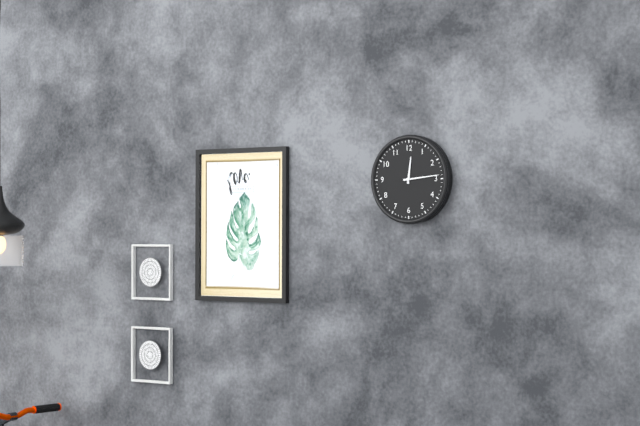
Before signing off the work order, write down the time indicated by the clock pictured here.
12:14
